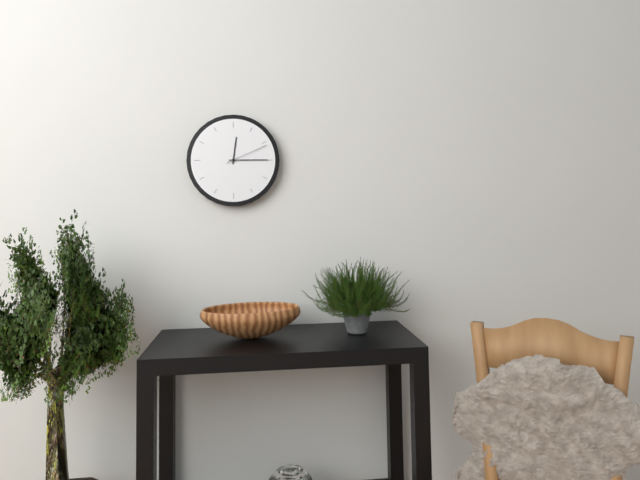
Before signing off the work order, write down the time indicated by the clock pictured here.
12:15
